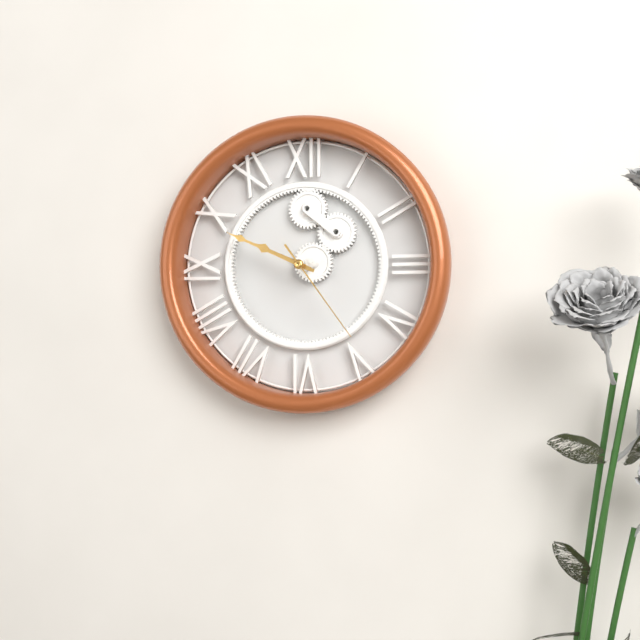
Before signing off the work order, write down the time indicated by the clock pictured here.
9:49:24
